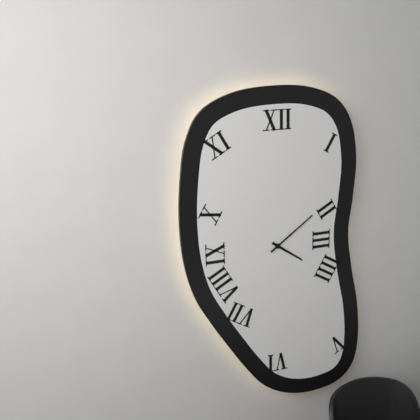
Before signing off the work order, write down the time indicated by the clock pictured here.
4:09
